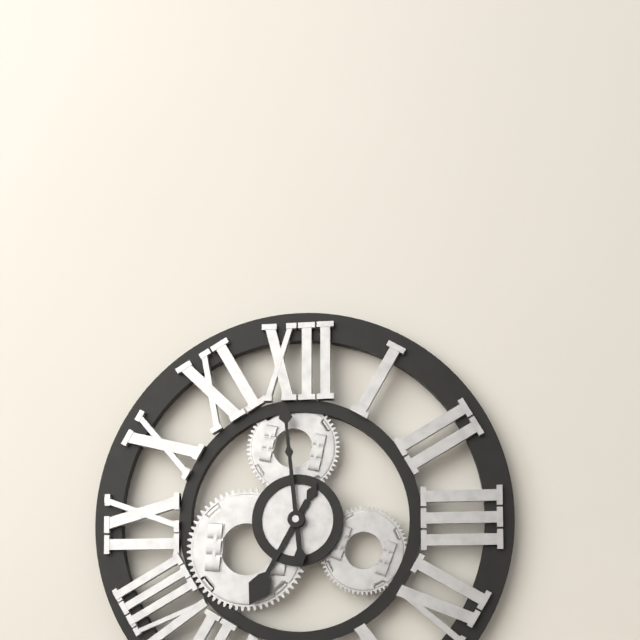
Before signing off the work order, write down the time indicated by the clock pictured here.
6:59
